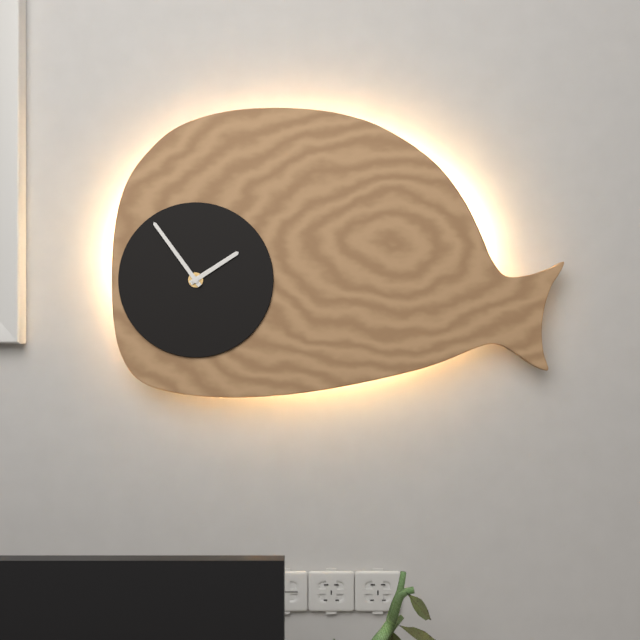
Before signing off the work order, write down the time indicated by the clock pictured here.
1:54
